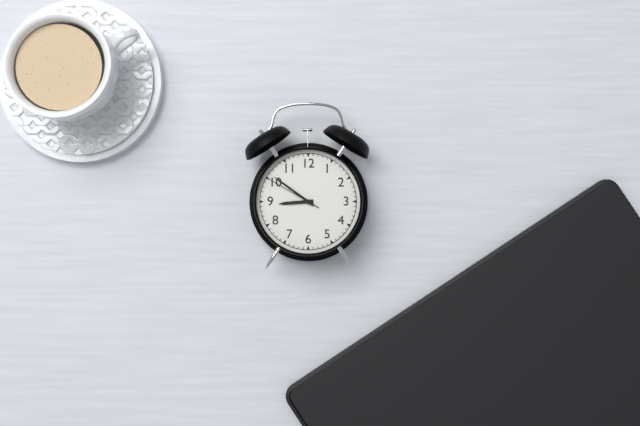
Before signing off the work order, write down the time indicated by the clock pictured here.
8:51:50
